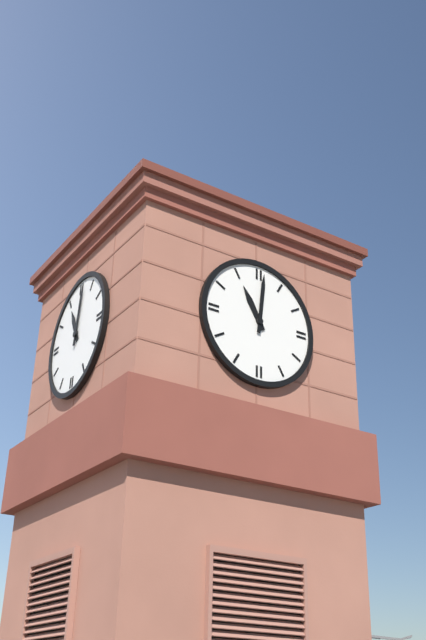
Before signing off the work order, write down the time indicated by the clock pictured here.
11:01
